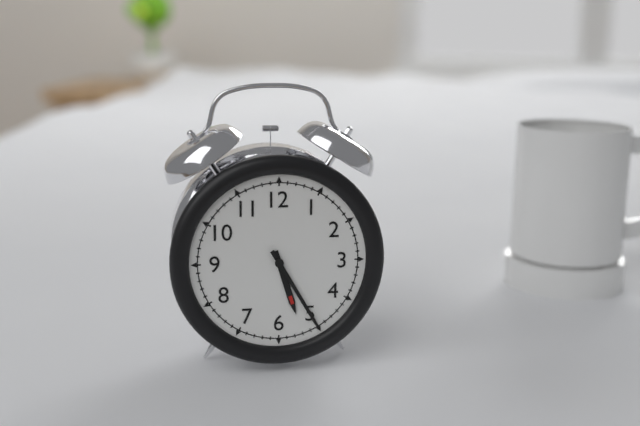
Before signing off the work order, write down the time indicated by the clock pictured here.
5:25
